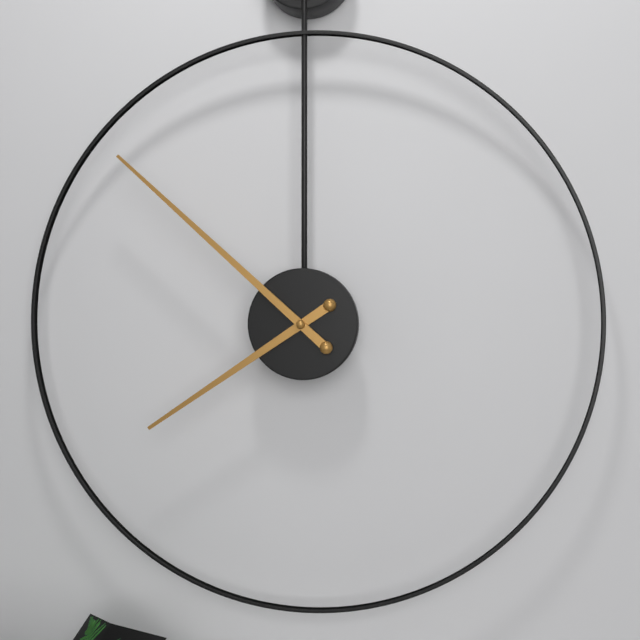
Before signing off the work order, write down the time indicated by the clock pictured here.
7:52
